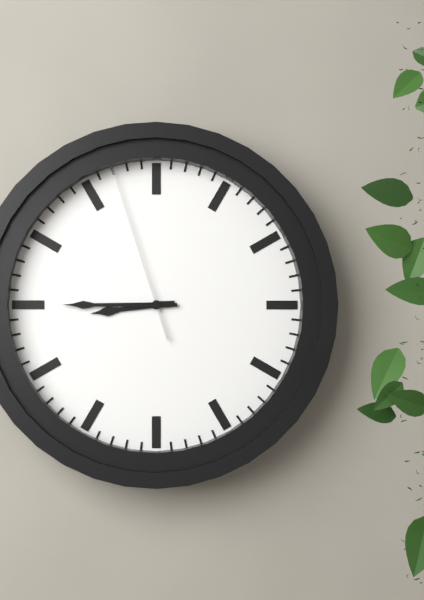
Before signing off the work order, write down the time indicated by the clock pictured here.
8:45:57
